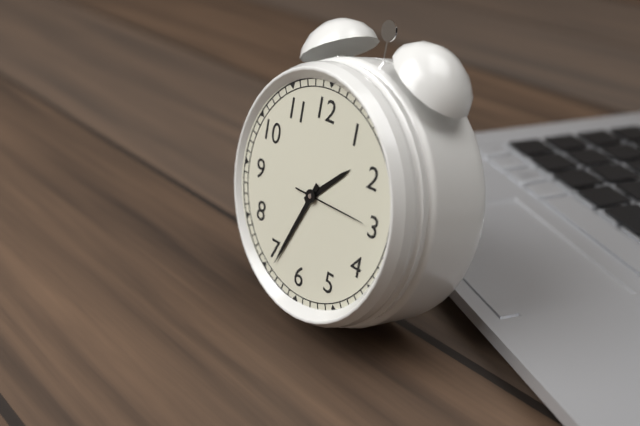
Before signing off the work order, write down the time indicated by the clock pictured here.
1:34:15
